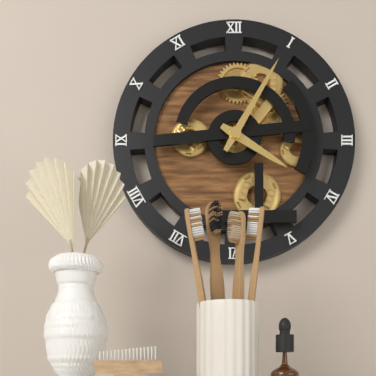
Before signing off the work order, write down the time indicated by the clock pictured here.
4:05
